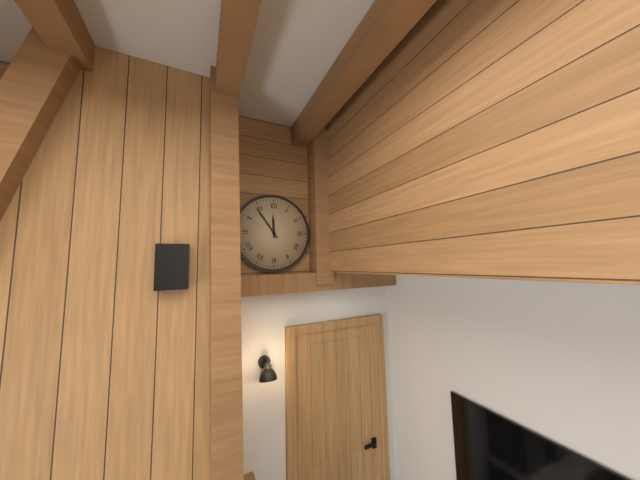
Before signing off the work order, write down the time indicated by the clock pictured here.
11:54
